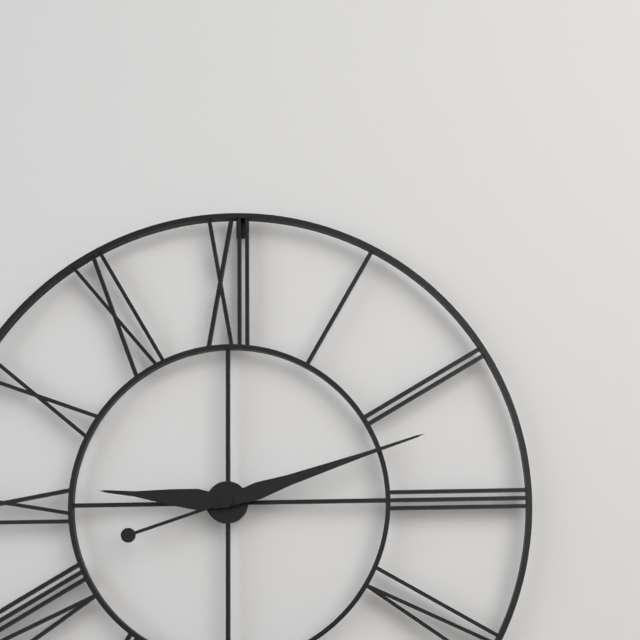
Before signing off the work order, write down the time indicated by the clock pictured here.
9:12
